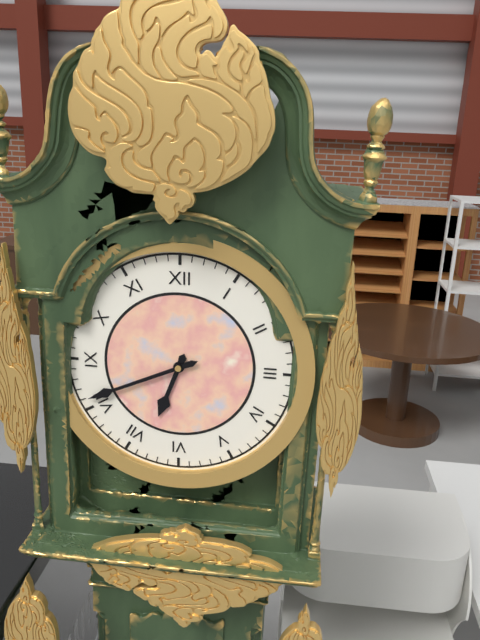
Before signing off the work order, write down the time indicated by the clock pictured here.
6:41
